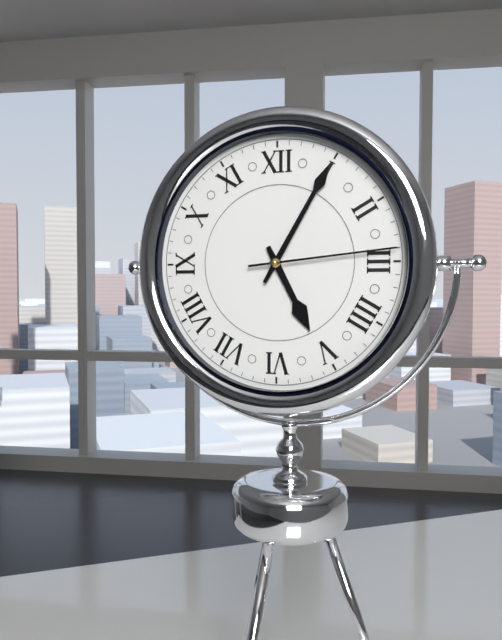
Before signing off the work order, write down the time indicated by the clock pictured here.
5:05:14
